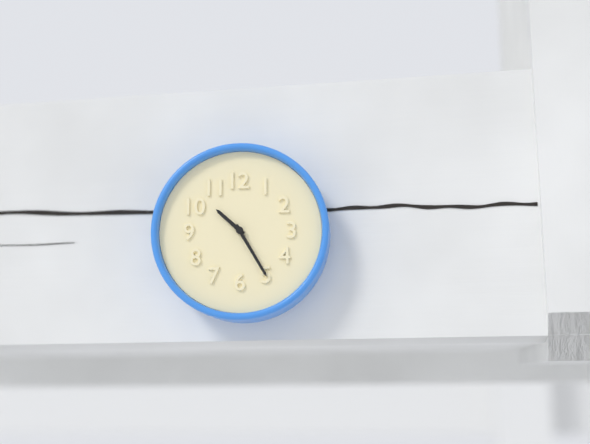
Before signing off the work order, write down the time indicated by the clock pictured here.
10:25
